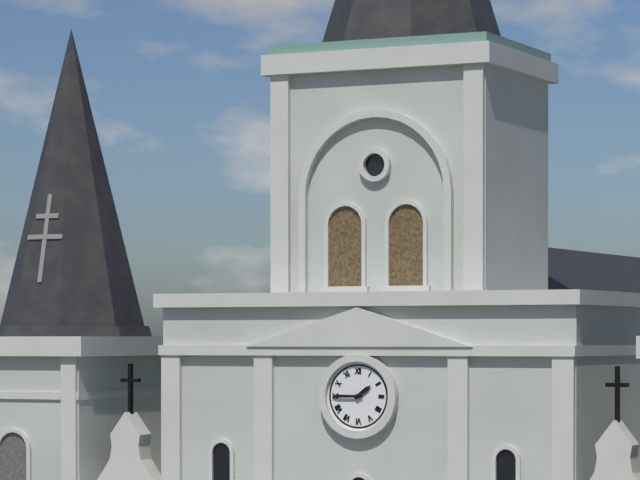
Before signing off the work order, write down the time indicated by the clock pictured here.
1:45
